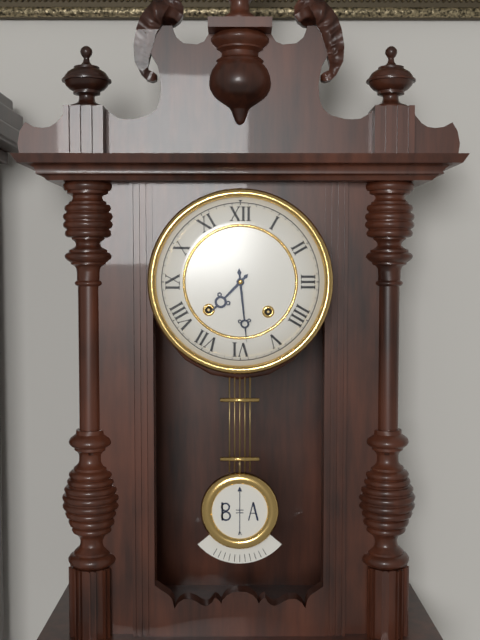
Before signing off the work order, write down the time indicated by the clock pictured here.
7:29
